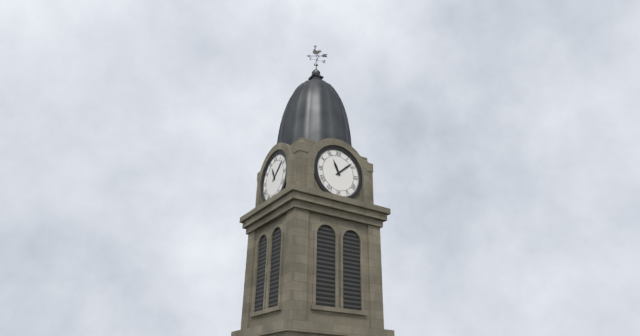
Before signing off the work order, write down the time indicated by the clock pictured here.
11:08
